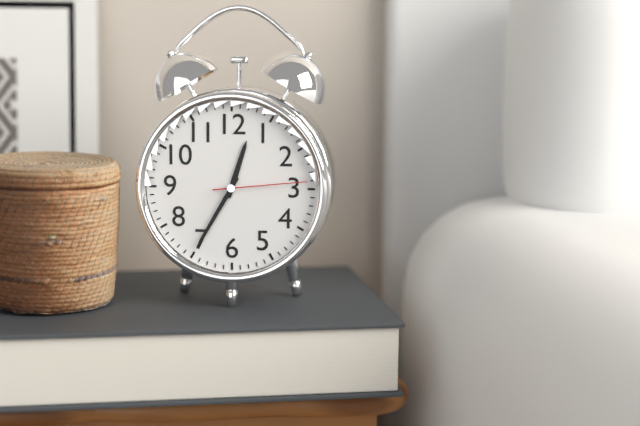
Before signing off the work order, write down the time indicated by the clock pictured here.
12:35:14
